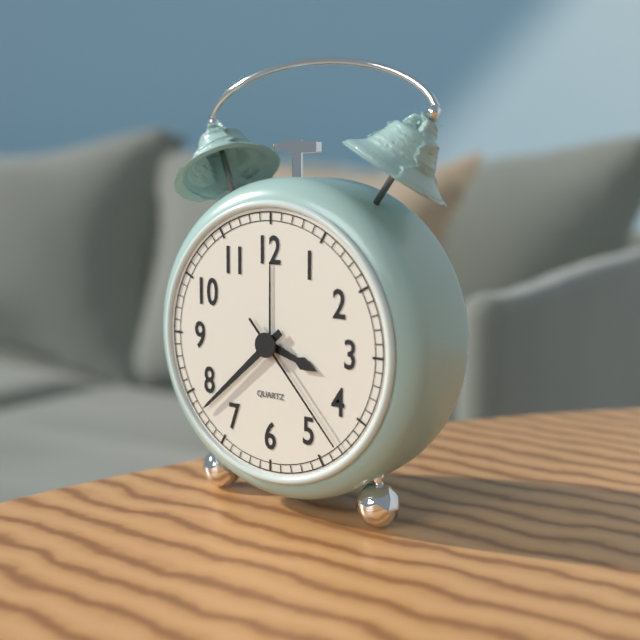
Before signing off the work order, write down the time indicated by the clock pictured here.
3:38:23
